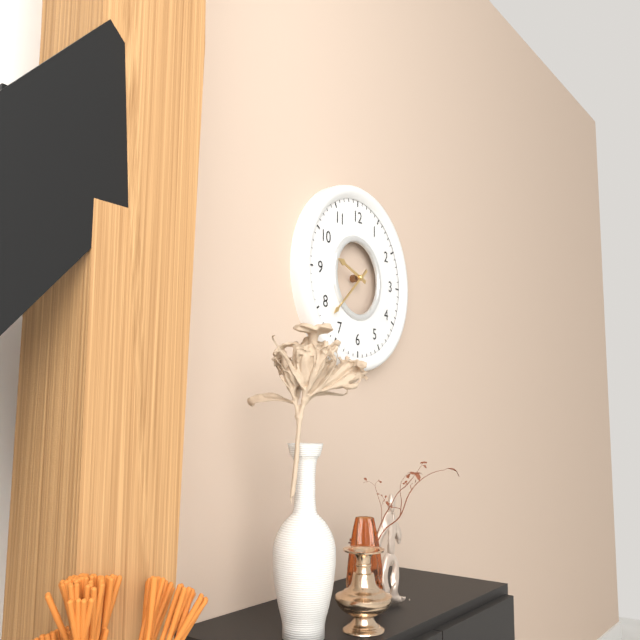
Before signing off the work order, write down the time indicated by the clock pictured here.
9:38
